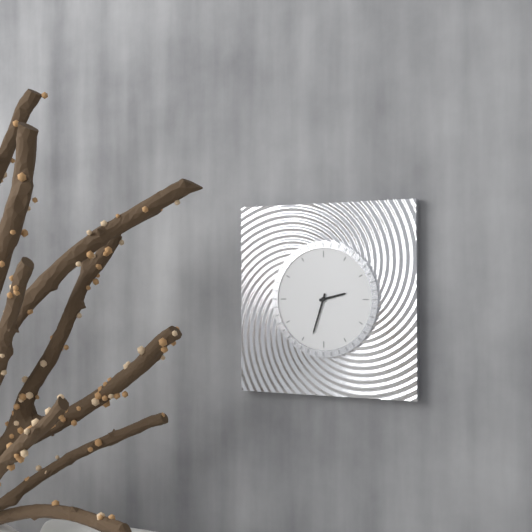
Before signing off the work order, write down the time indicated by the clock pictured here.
2:33
